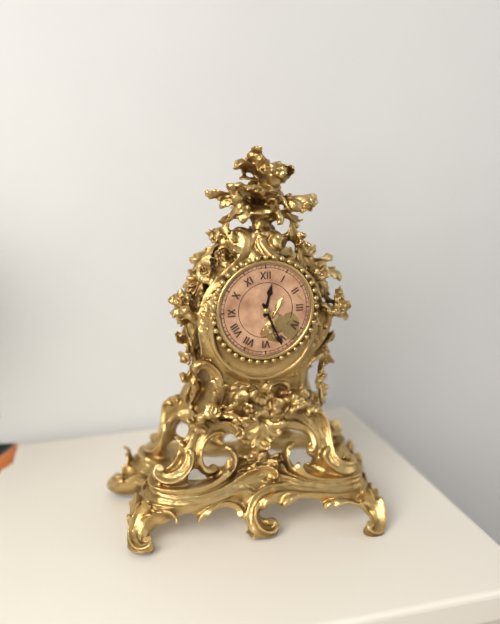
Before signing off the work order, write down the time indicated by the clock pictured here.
12:26
